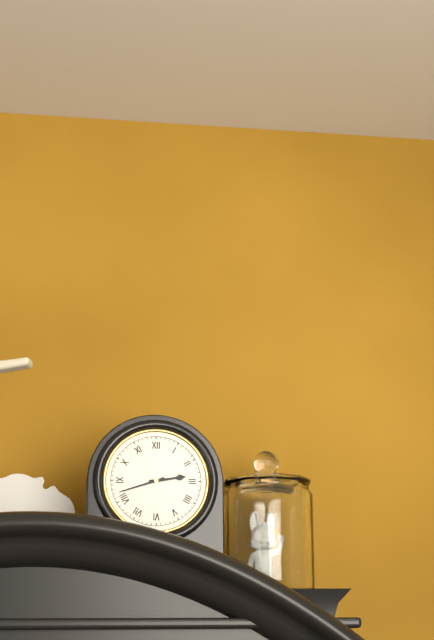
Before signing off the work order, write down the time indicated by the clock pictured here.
2:42
